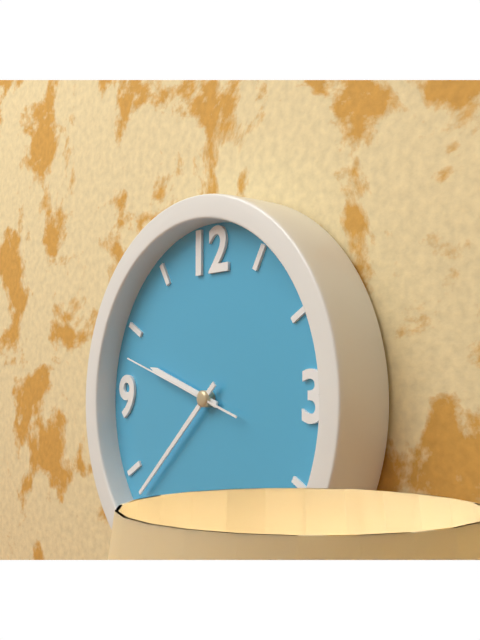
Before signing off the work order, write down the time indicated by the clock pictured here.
9:38:48
